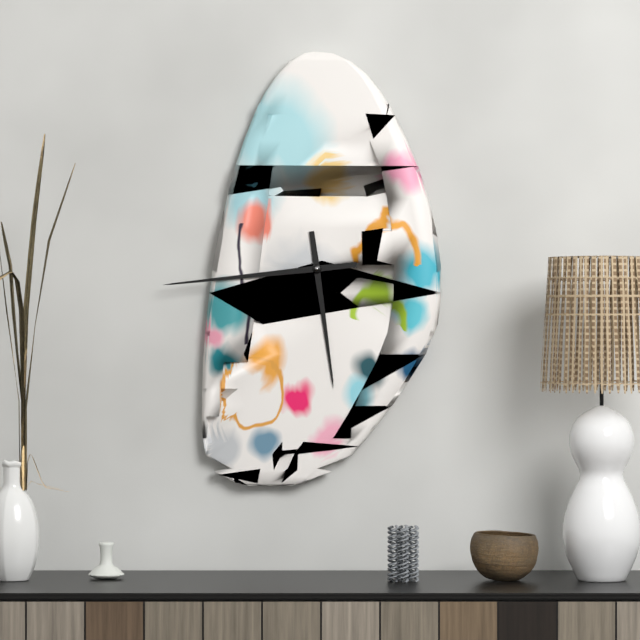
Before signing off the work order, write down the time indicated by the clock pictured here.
5:44
